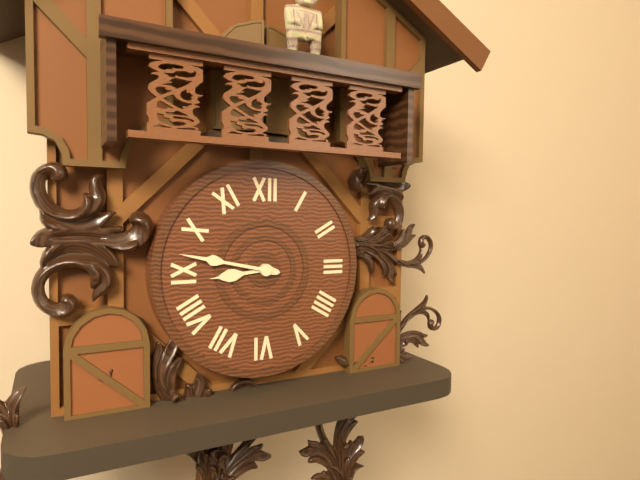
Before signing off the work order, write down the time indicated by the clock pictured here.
8:47
